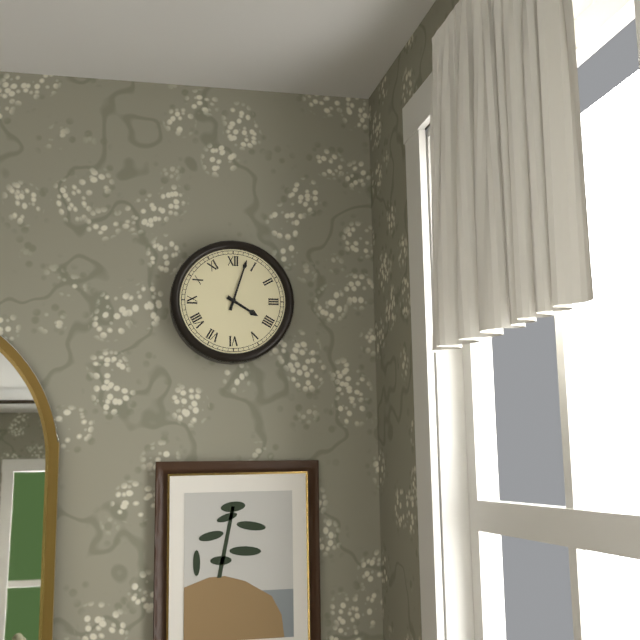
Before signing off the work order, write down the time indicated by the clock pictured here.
4:03
